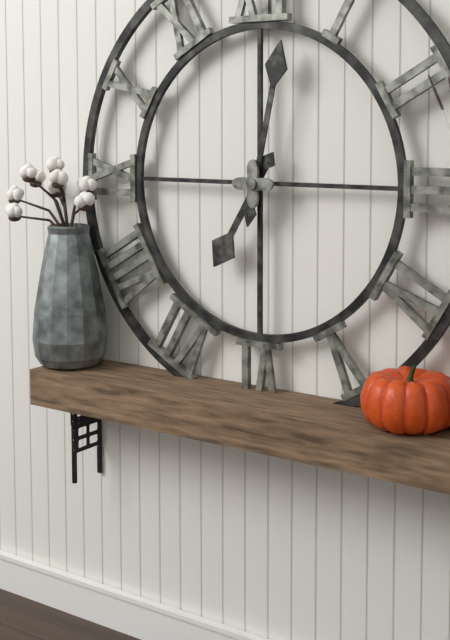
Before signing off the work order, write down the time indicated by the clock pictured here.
7:02
